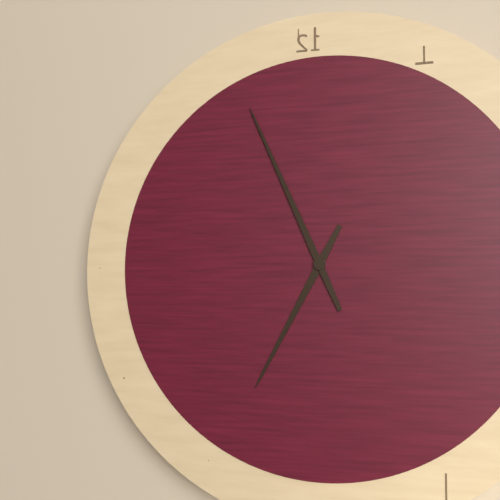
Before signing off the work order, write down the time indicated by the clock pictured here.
6:56
